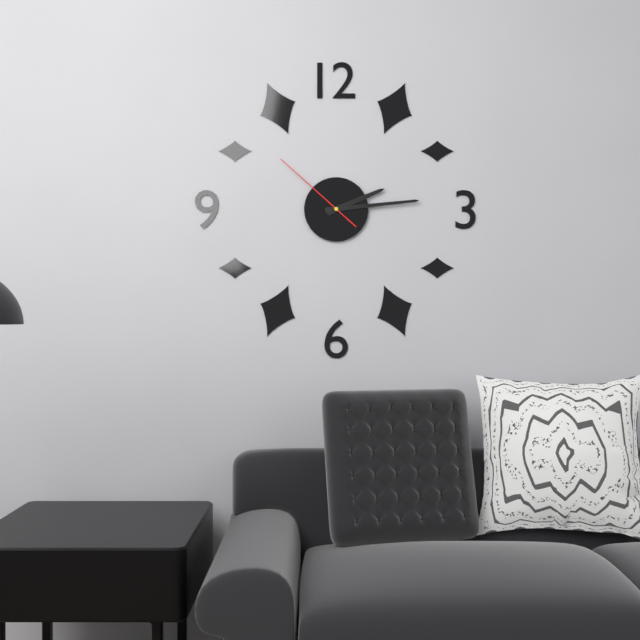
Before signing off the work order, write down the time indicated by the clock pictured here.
2:14:52
